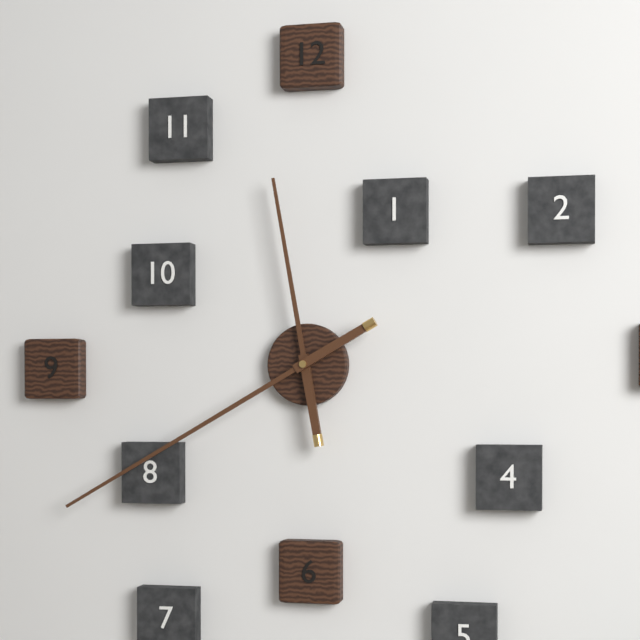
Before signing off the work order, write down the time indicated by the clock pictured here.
11:40
